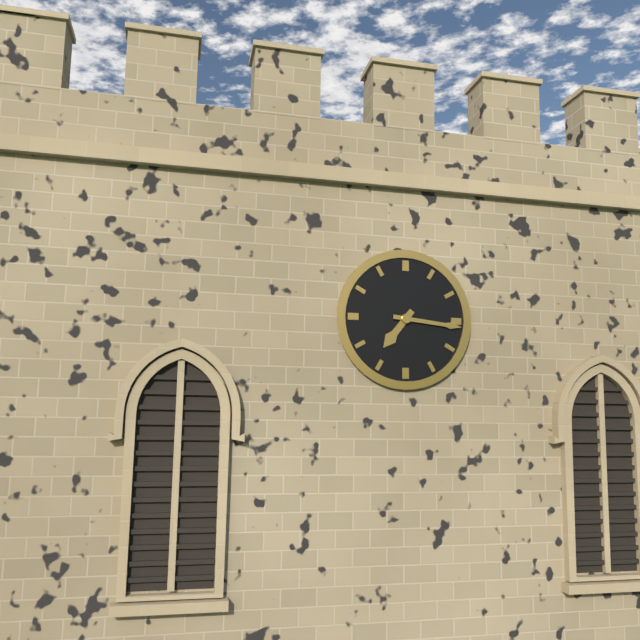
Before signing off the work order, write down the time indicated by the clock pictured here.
7:16
